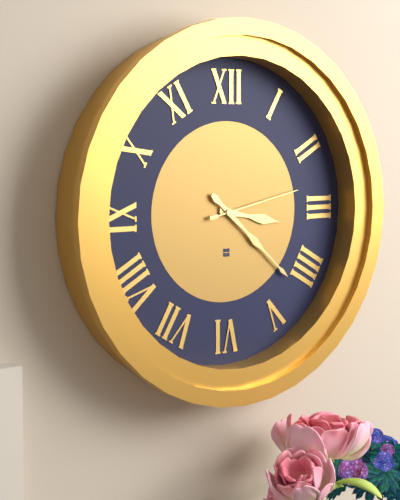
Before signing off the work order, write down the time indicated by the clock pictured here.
3:22:13
